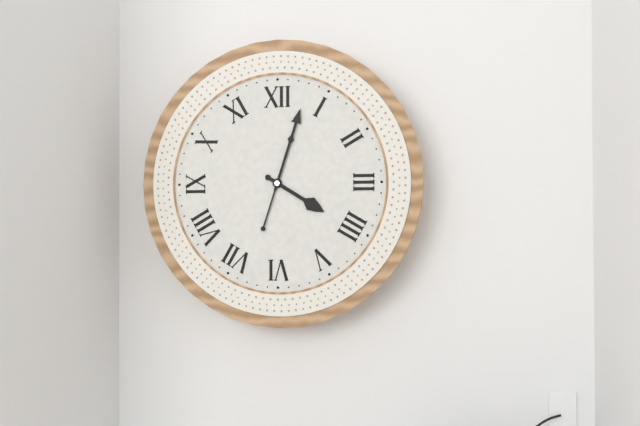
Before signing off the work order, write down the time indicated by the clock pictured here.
4:03
